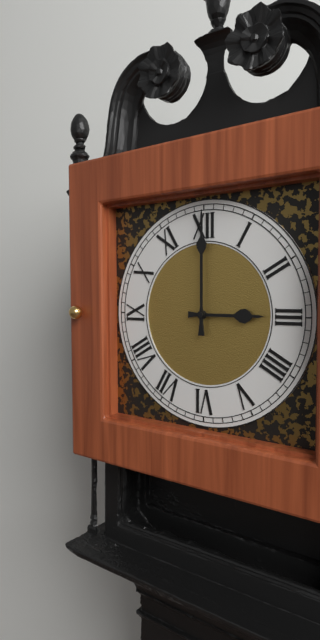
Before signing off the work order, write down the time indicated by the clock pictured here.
3:00
